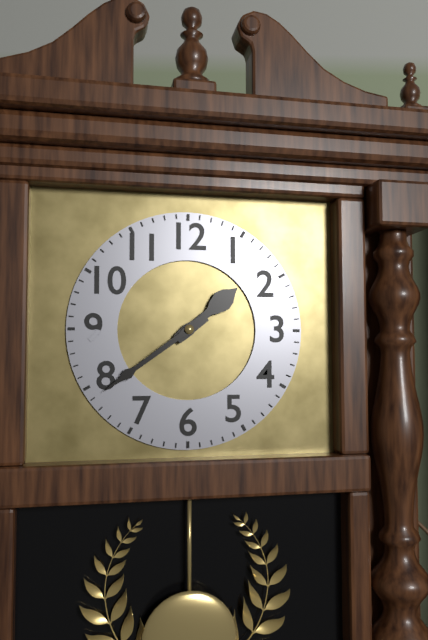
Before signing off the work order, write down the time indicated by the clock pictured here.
1:39
